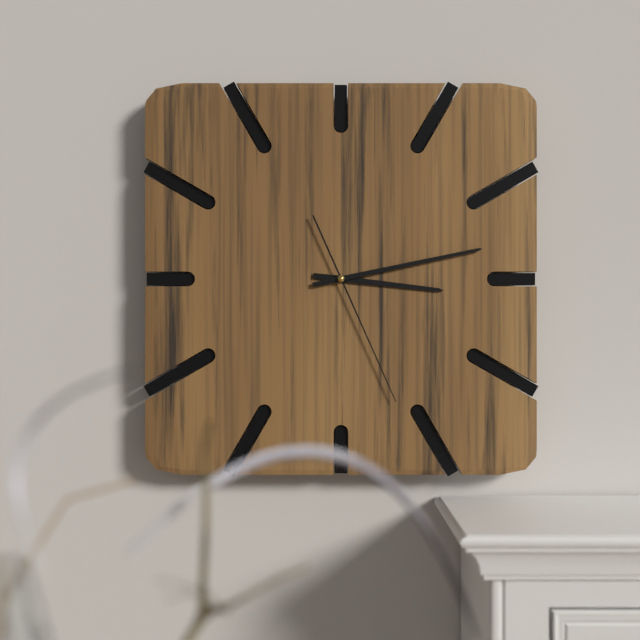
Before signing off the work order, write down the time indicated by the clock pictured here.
3:13:26
